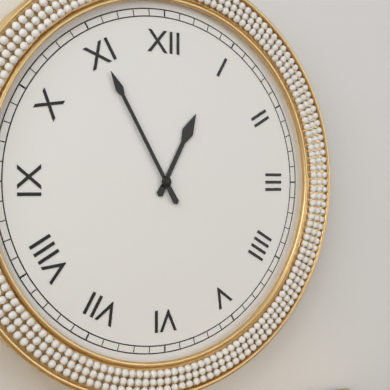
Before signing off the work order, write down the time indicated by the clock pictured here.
12:55
